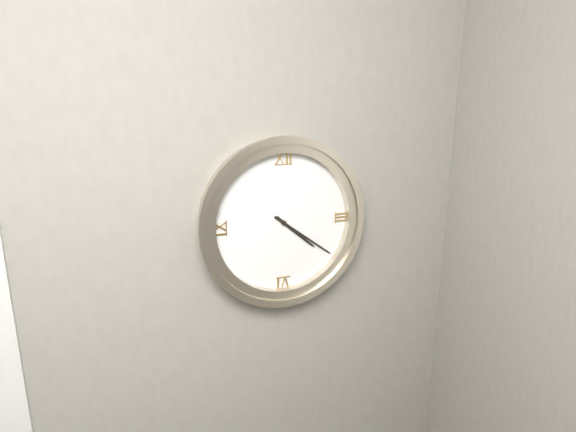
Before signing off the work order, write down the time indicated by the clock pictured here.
4:21
